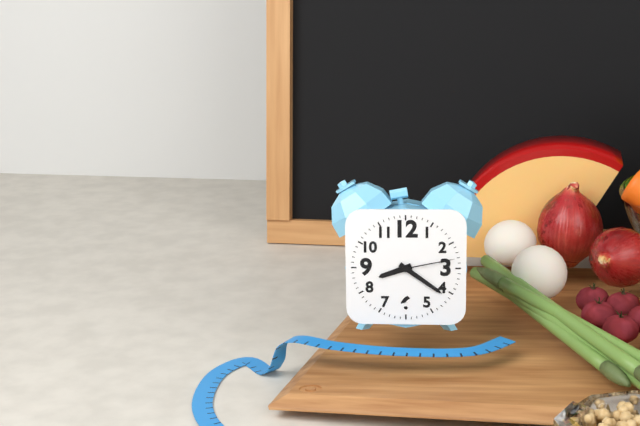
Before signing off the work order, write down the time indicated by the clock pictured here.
8:21:13
